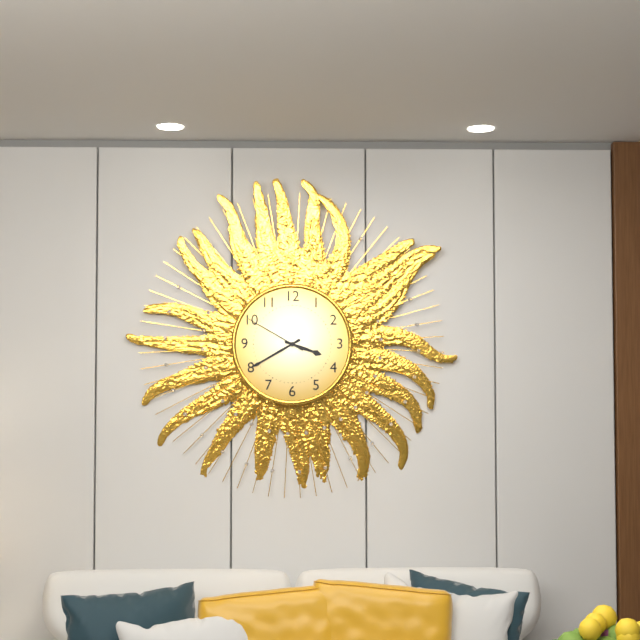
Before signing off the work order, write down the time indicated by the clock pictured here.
3:40:50
